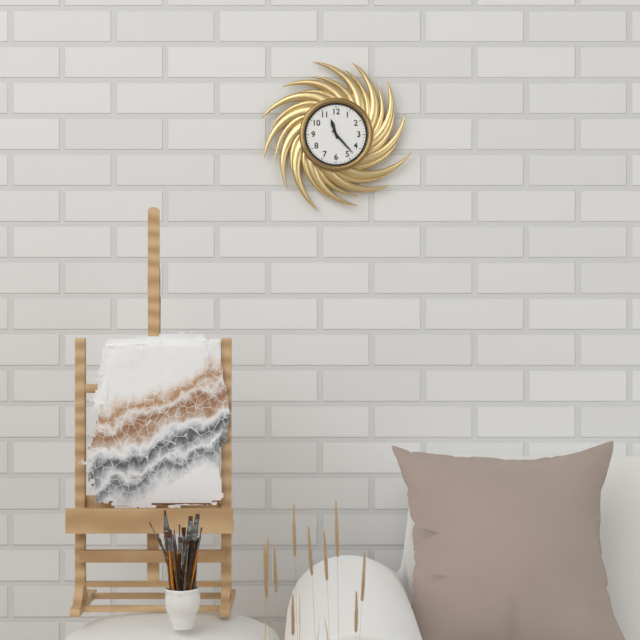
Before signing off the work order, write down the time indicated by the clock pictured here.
11:23
